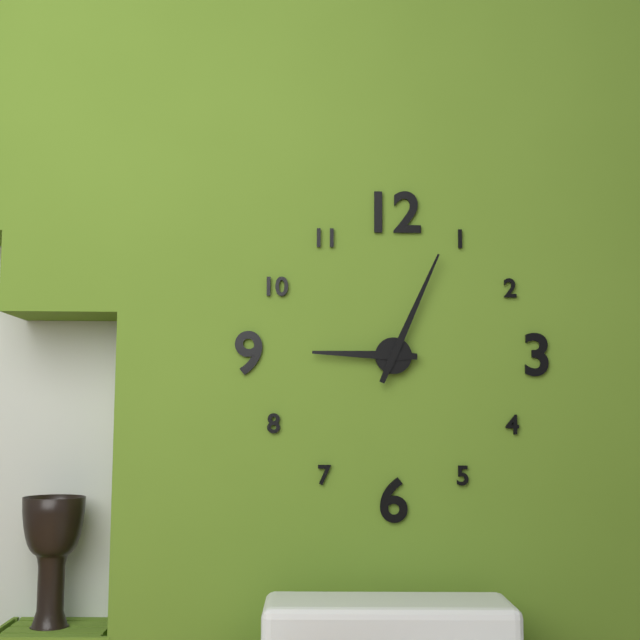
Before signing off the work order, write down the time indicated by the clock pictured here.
9:04
